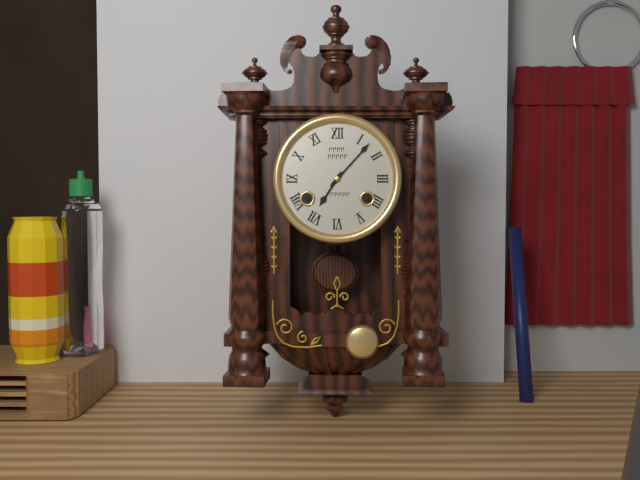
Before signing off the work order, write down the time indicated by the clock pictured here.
7:07
